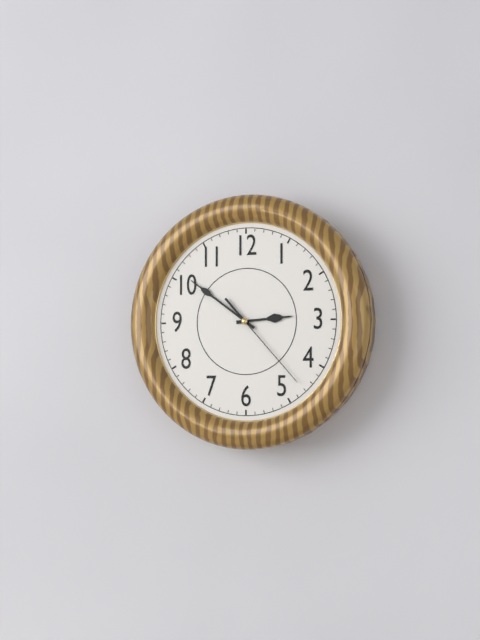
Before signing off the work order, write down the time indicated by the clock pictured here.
2:51:23
